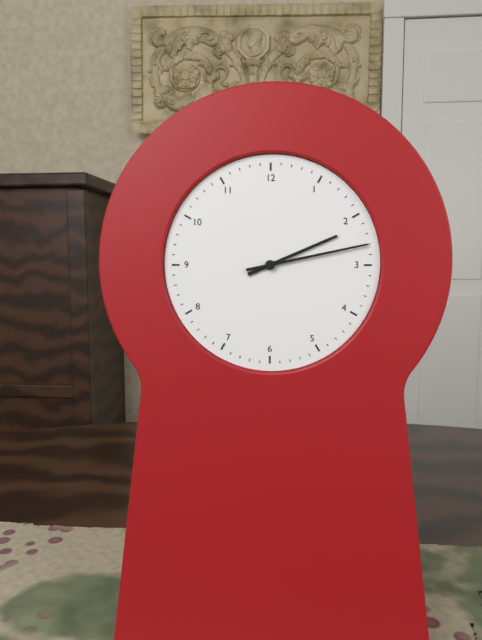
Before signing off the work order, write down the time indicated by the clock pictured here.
2:13
